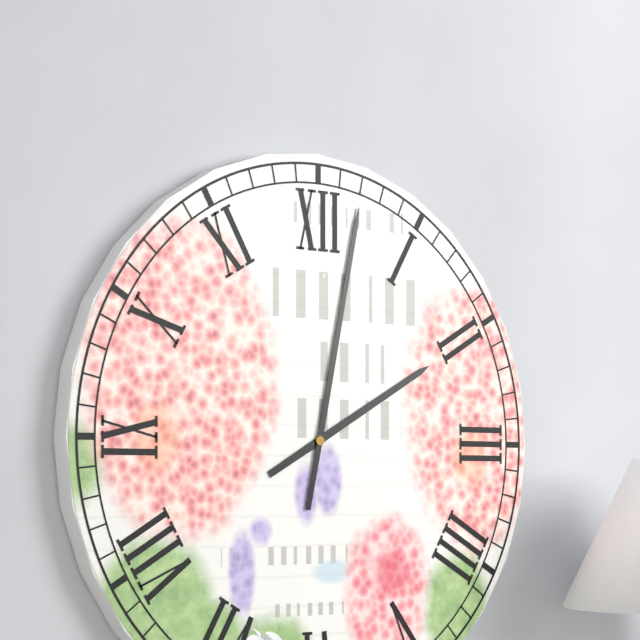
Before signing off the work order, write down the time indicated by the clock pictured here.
2:02
